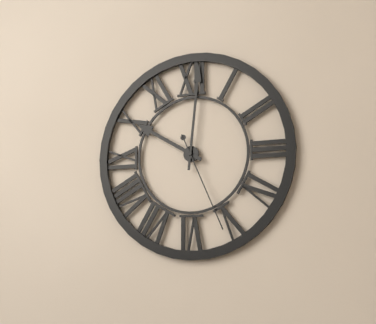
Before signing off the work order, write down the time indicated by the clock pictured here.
10:01:26
